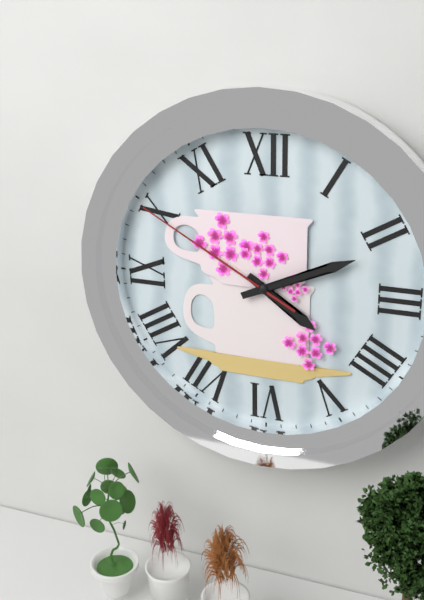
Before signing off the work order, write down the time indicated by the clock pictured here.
4:11:50
